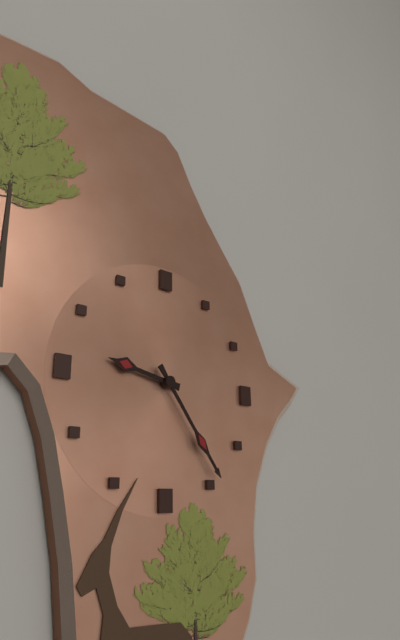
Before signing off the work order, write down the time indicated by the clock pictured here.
9:24
